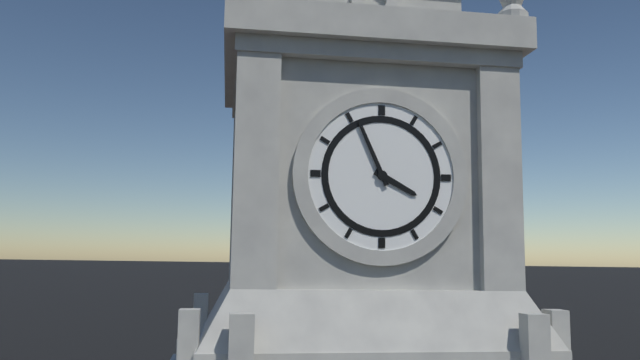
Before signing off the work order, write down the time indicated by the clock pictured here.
3:56
